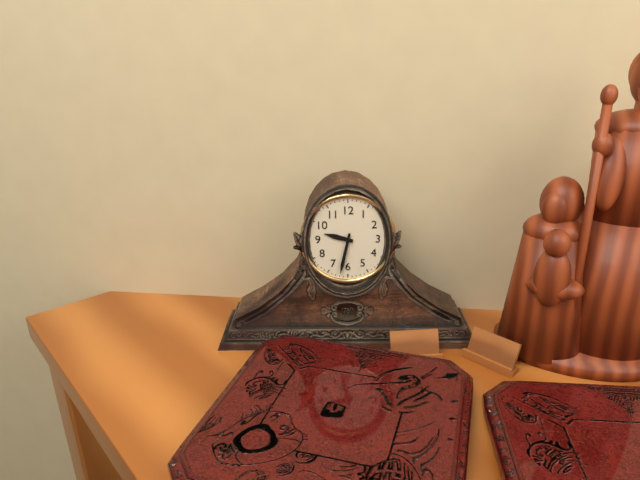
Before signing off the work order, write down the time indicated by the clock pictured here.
9:32
